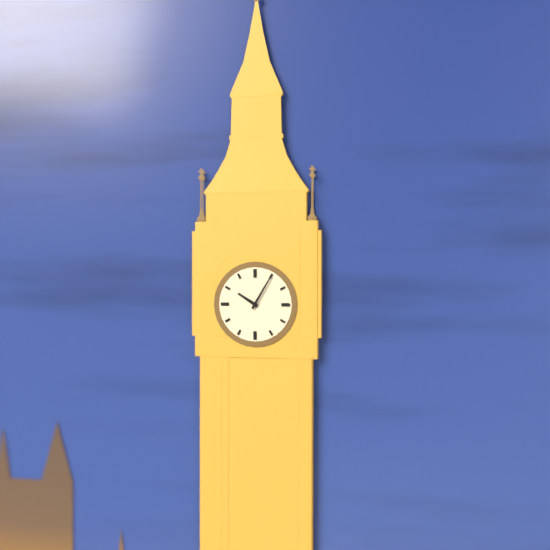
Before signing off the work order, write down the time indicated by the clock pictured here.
10:05
